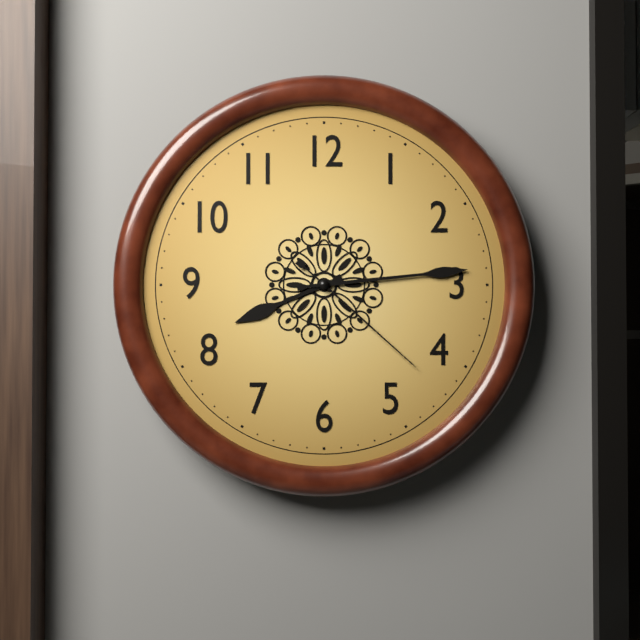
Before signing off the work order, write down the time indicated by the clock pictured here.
8:14:22
